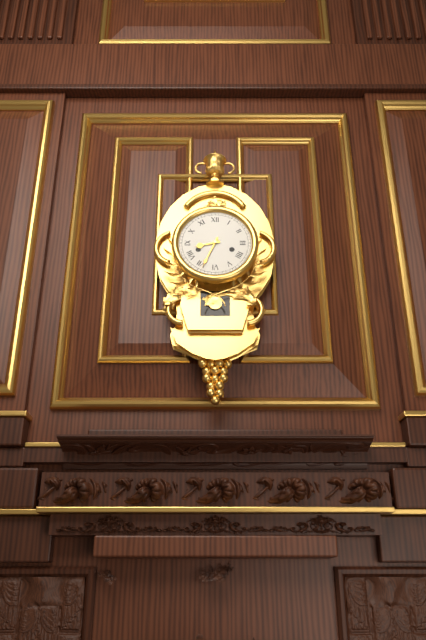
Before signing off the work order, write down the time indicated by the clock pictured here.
8:34
